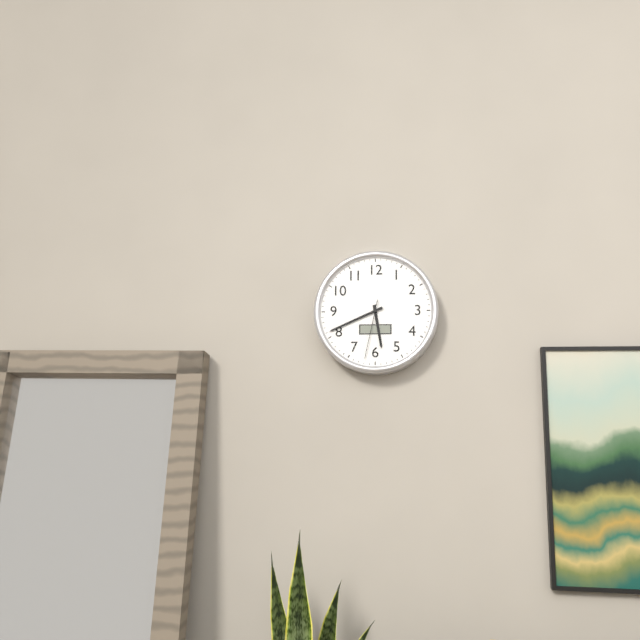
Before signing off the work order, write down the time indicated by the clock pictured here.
5:41:32
